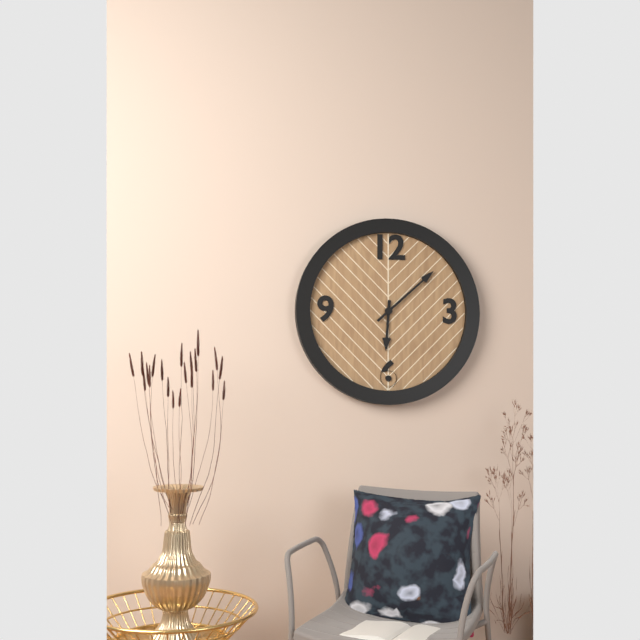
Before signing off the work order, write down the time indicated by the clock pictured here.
6:08
